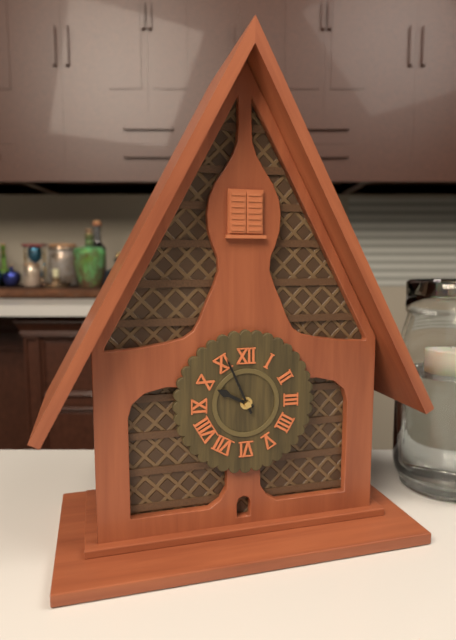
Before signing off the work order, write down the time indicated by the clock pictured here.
9:56
